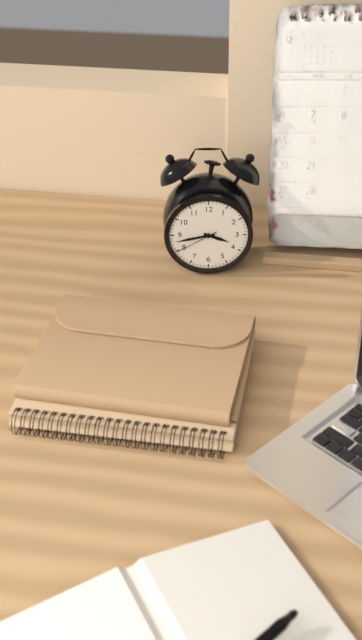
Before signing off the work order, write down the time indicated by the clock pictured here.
3:43
